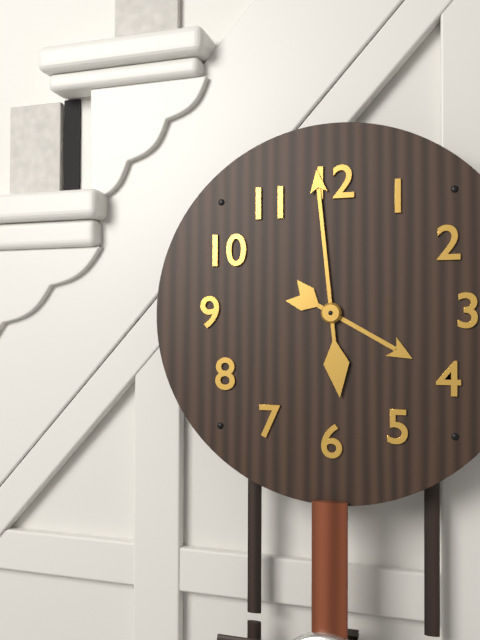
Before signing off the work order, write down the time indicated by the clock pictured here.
3:59
